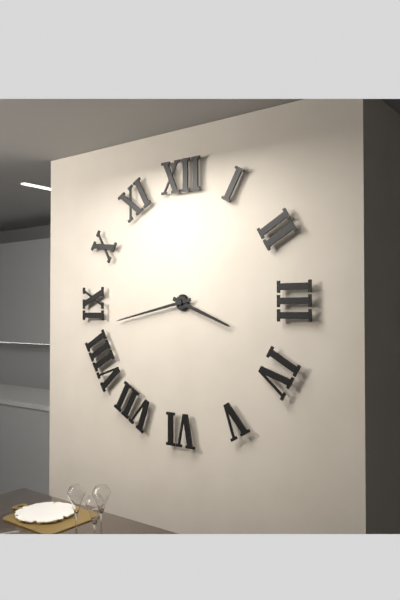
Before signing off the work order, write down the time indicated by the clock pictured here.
3:43
